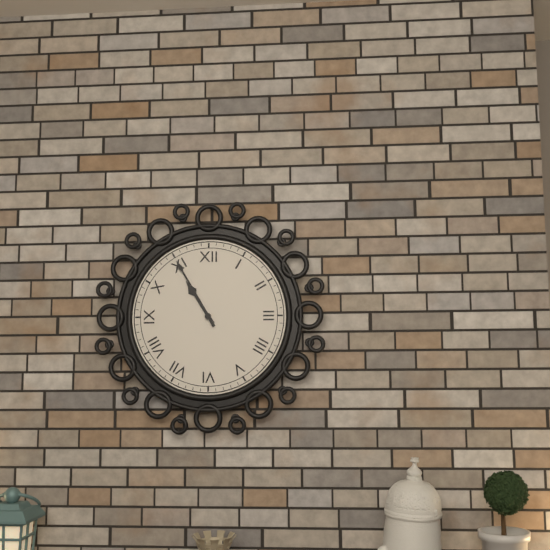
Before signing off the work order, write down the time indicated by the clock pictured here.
10:55
